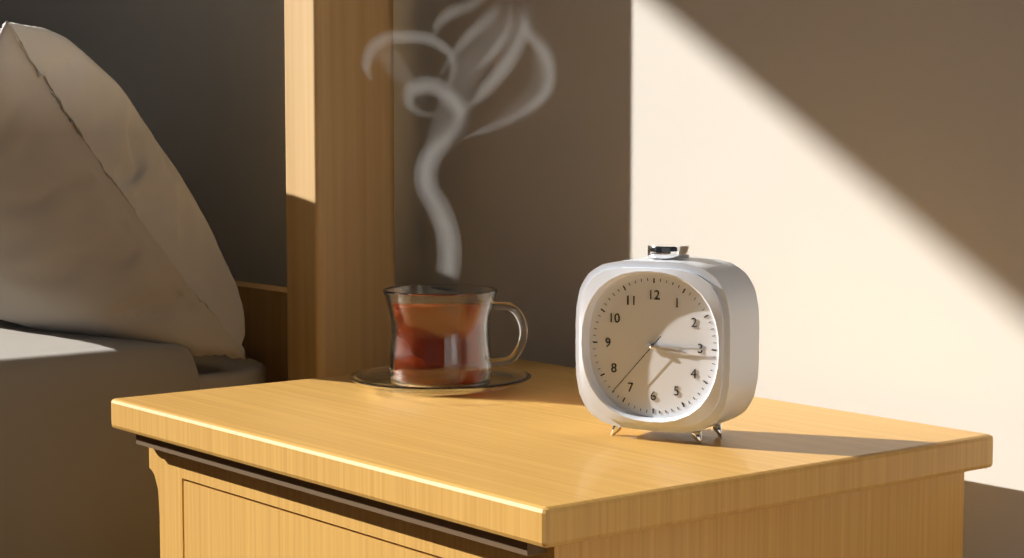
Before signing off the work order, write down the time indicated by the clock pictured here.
3:15:37
